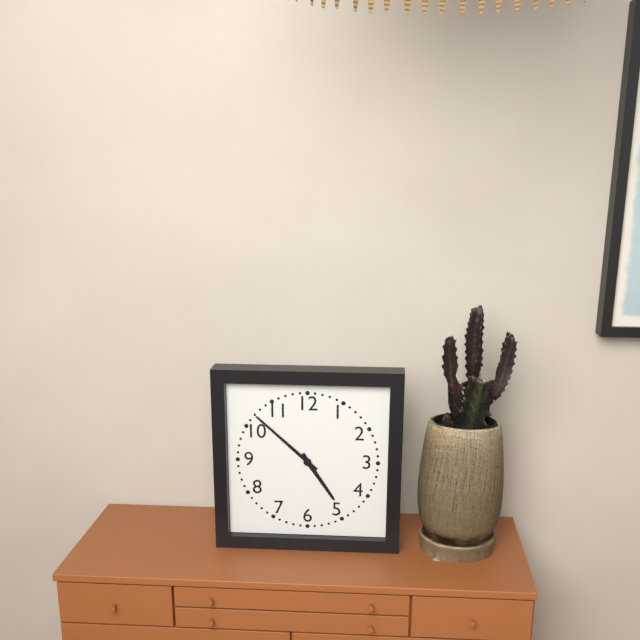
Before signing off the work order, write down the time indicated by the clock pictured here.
4:52
